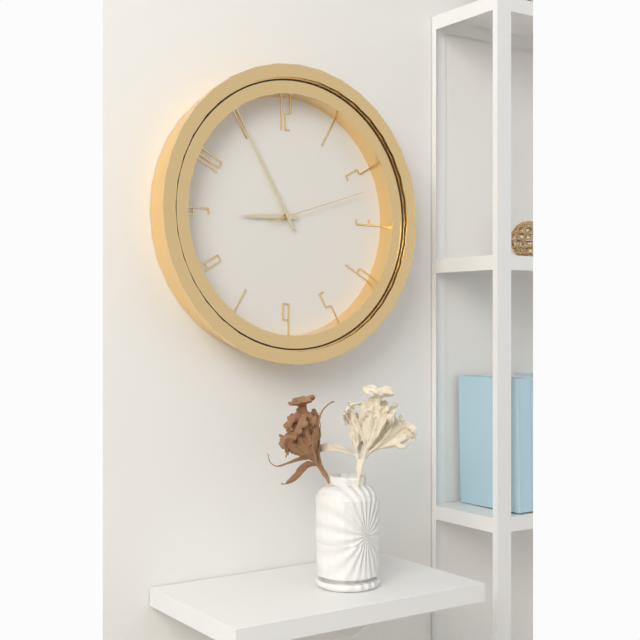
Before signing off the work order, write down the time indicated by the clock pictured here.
8:55:12
